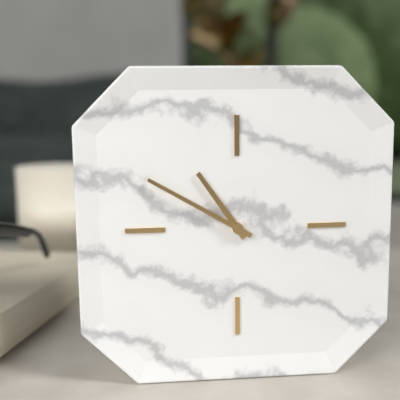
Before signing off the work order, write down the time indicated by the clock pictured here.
10:50
